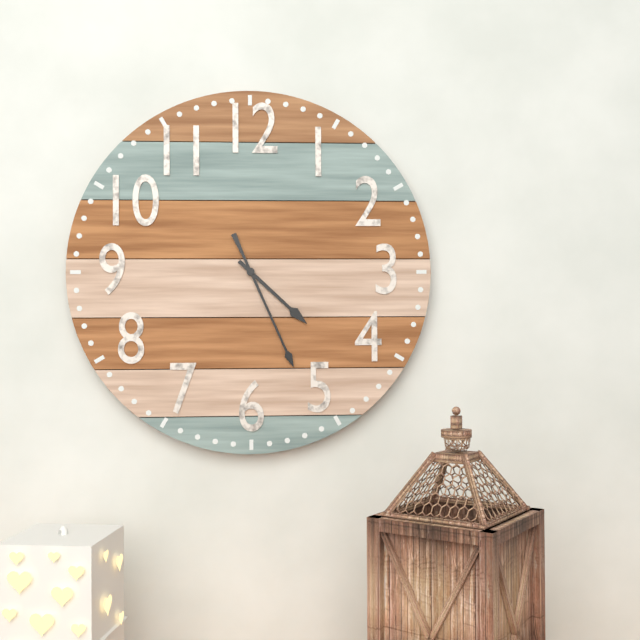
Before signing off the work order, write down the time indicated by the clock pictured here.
4:26
